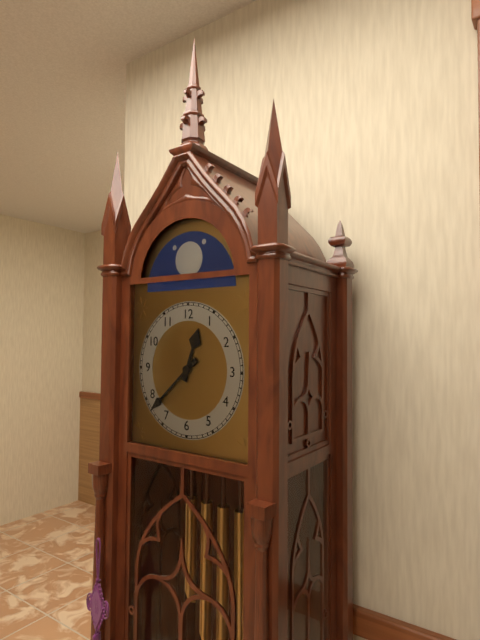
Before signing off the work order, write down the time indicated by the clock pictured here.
12:38
